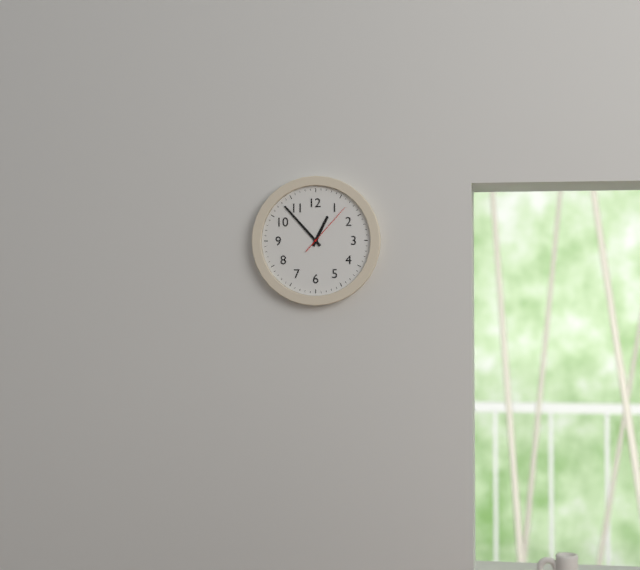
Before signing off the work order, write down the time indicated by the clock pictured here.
12:53:07
